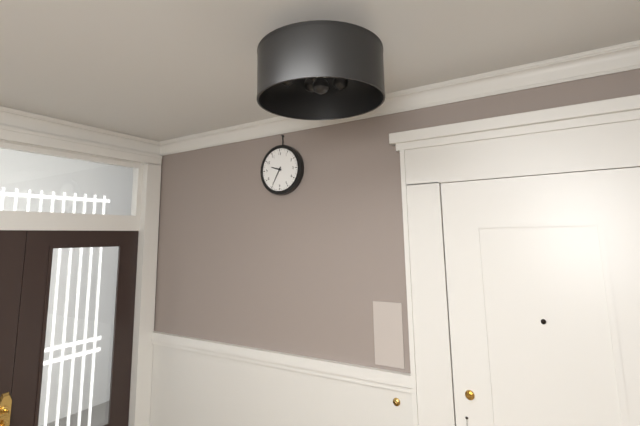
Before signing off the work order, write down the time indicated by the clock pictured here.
9:35
